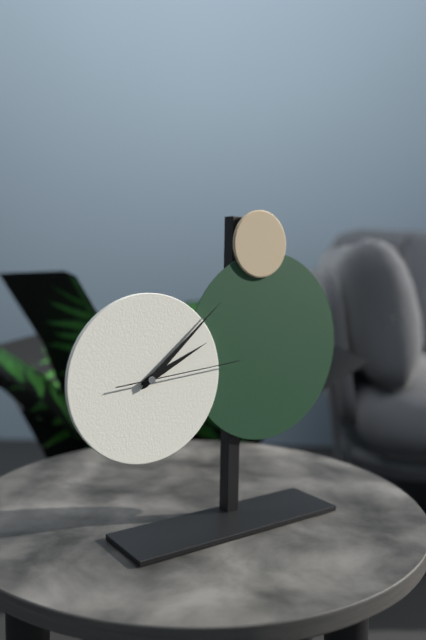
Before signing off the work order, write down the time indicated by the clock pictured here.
2:08:14
